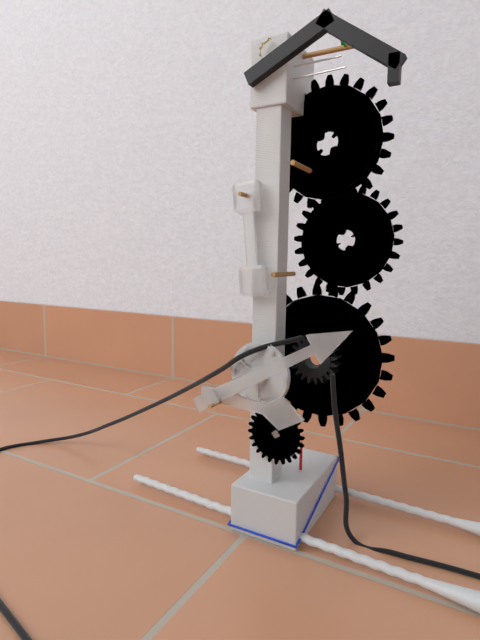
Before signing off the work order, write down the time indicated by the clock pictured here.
3:10
